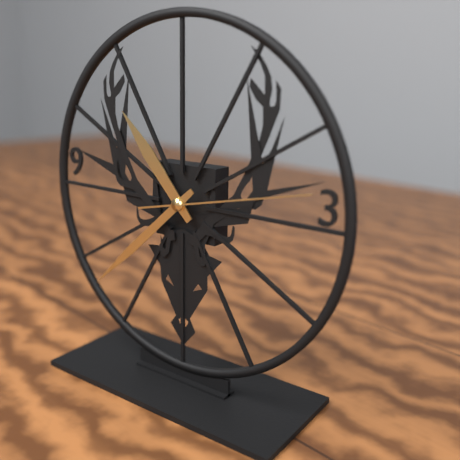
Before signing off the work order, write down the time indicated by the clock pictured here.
10:38:13
